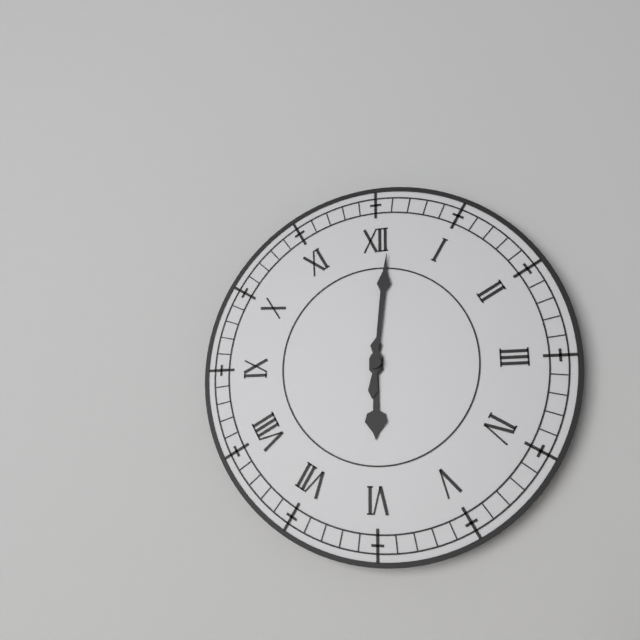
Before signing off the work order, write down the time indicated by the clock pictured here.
6:01
